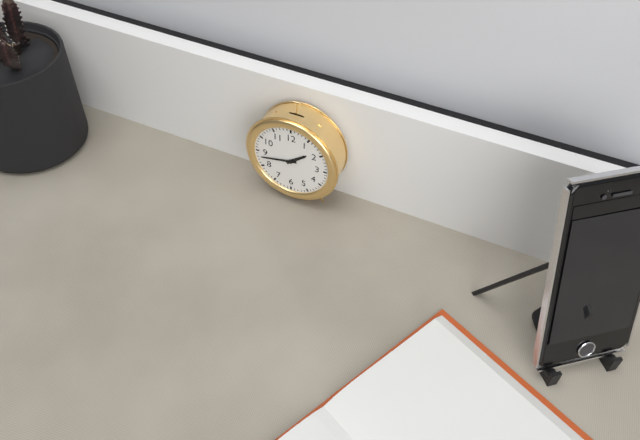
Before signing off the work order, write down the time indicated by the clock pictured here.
1:43
